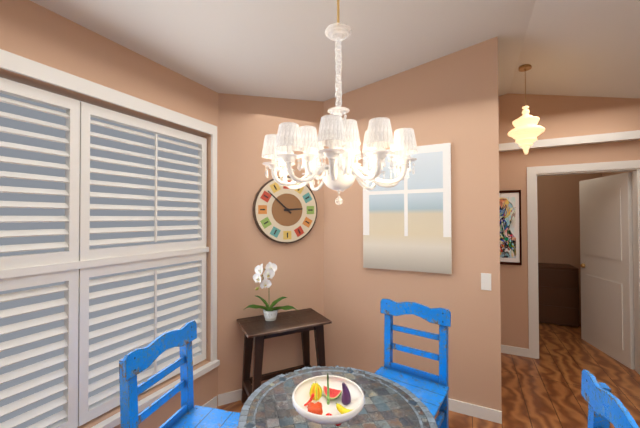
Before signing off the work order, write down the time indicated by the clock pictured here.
2:52
